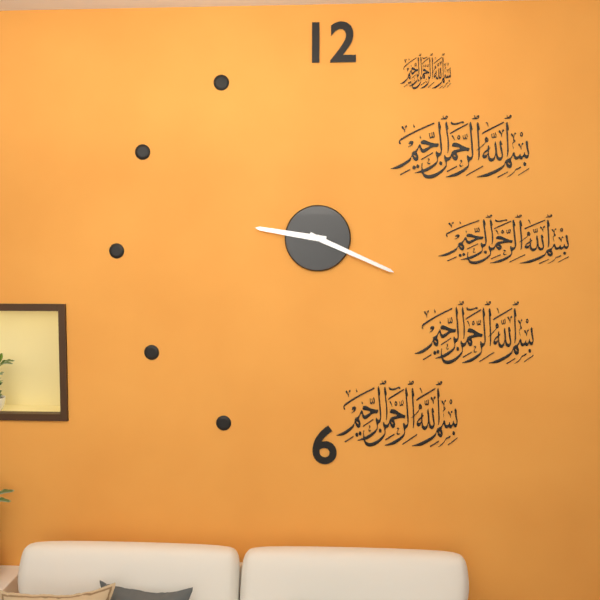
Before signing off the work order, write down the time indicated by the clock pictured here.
9:19
